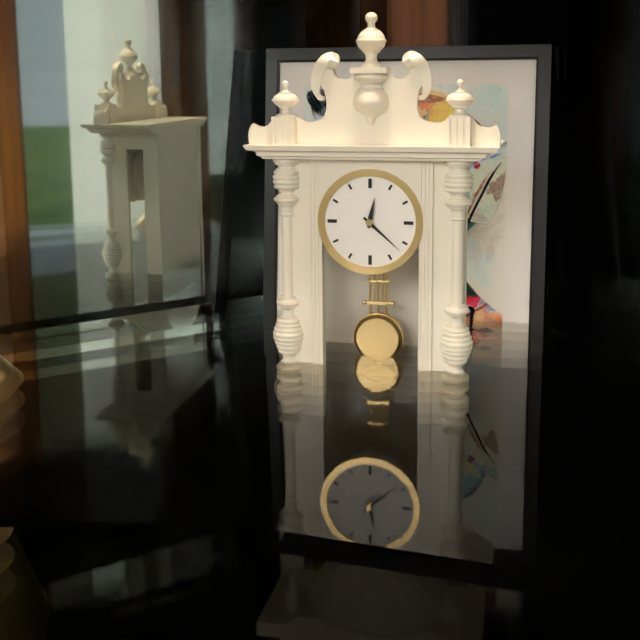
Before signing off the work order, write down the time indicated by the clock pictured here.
12:22
